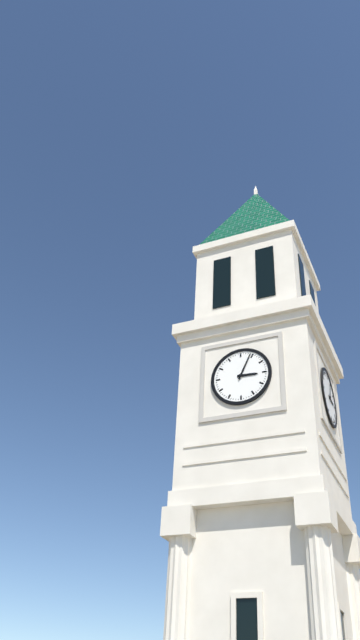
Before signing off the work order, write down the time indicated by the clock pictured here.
3:04
